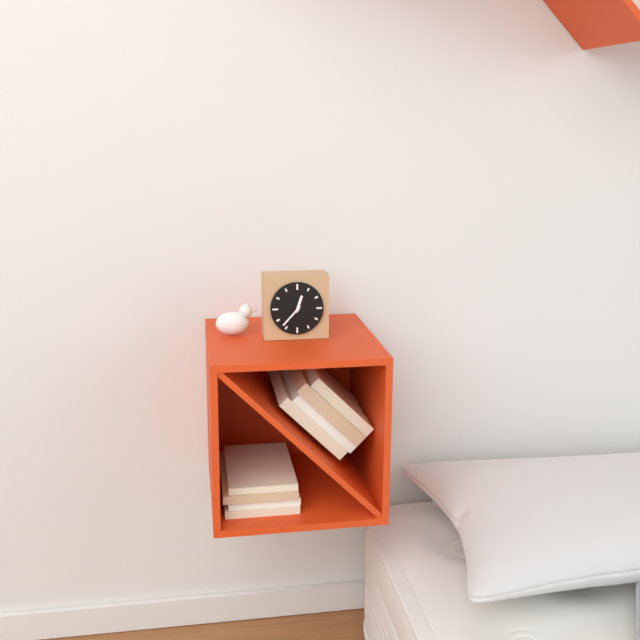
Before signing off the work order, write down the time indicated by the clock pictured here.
12:37
